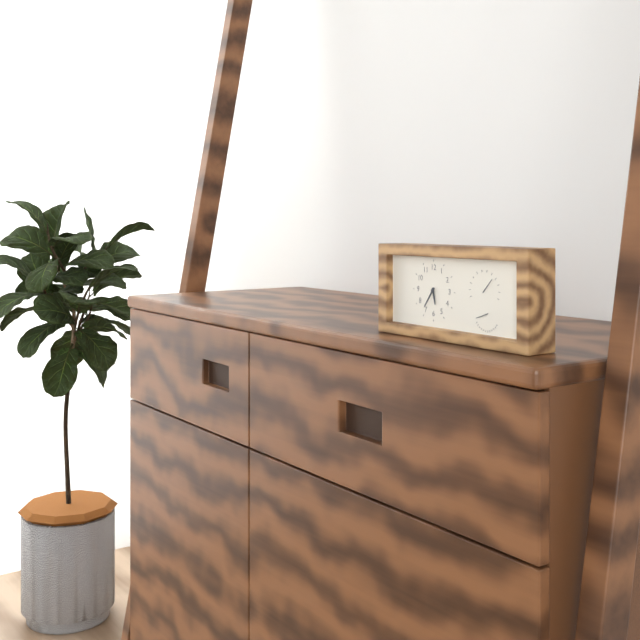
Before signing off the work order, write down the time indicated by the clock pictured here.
5:36
